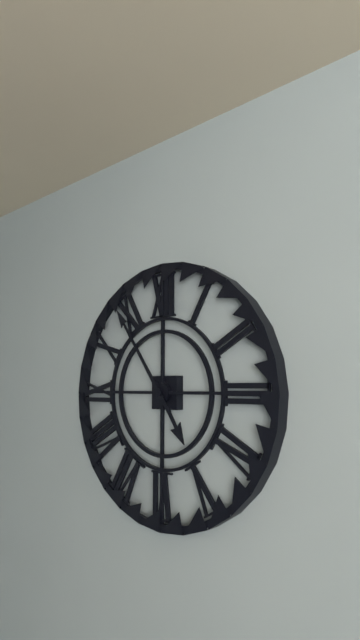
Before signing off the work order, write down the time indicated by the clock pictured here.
4:54
